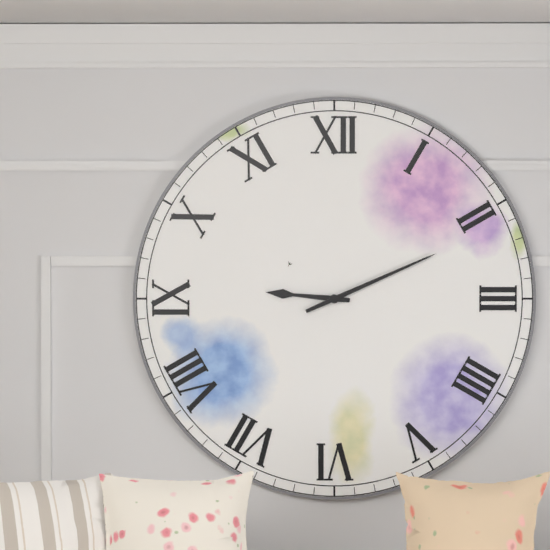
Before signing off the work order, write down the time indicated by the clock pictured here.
9:11
